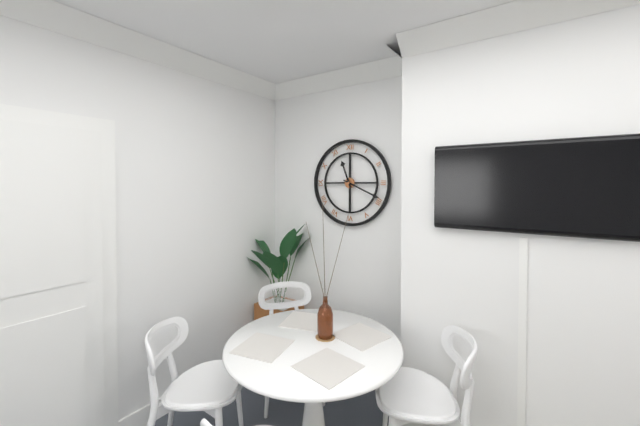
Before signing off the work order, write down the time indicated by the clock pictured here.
11:19
